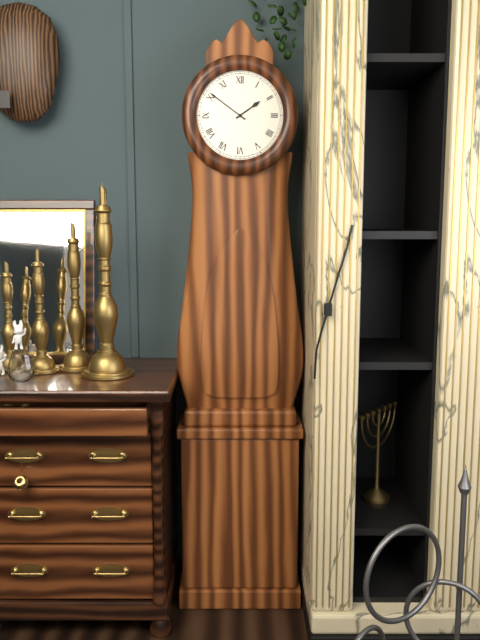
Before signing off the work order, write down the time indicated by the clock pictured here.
1:51
